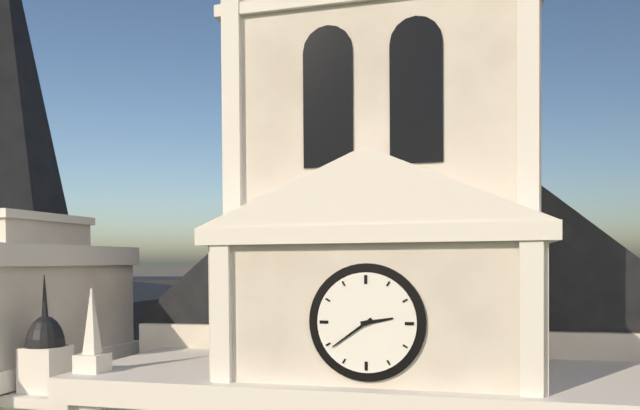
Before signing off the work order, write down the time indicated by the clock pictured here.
2:39
